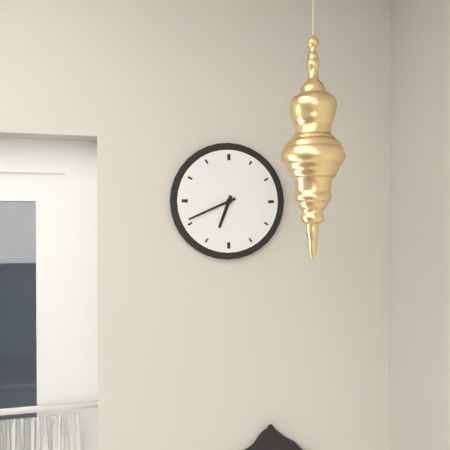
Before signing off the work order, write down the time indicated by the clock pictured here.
6:41
